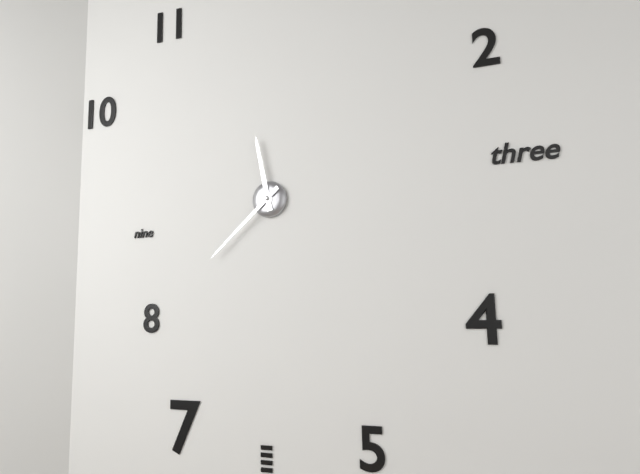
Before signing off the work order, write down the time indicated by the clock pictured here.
11:38
